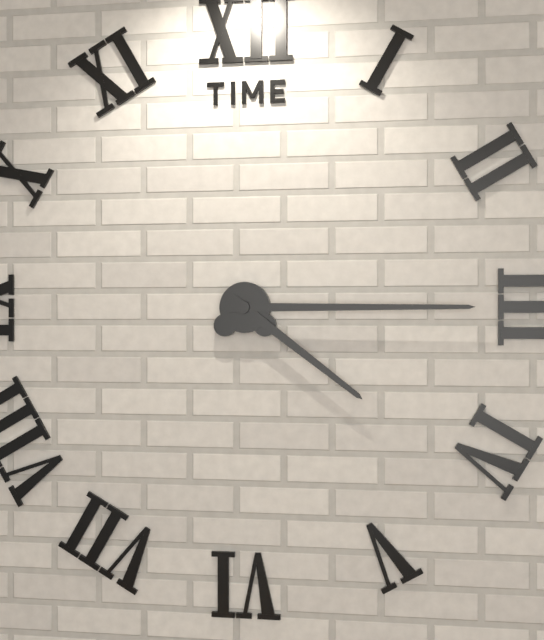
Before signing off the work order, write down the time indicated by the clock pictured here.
4:15
